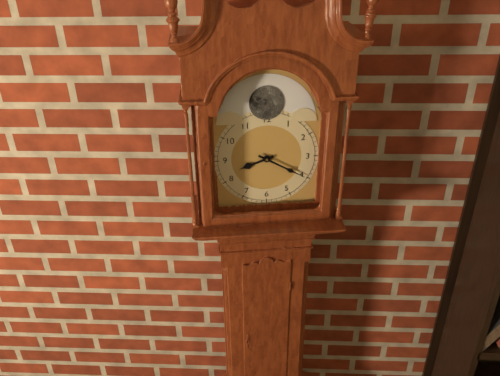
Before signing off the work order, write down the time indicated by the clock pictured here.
8:20
